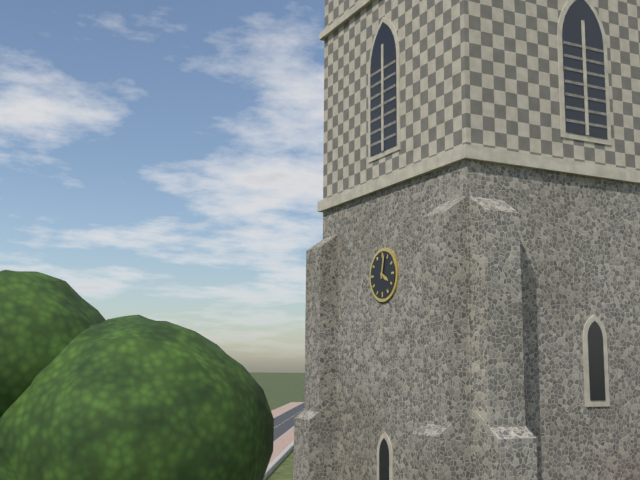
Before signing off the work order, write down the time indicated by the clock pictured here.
4:02
